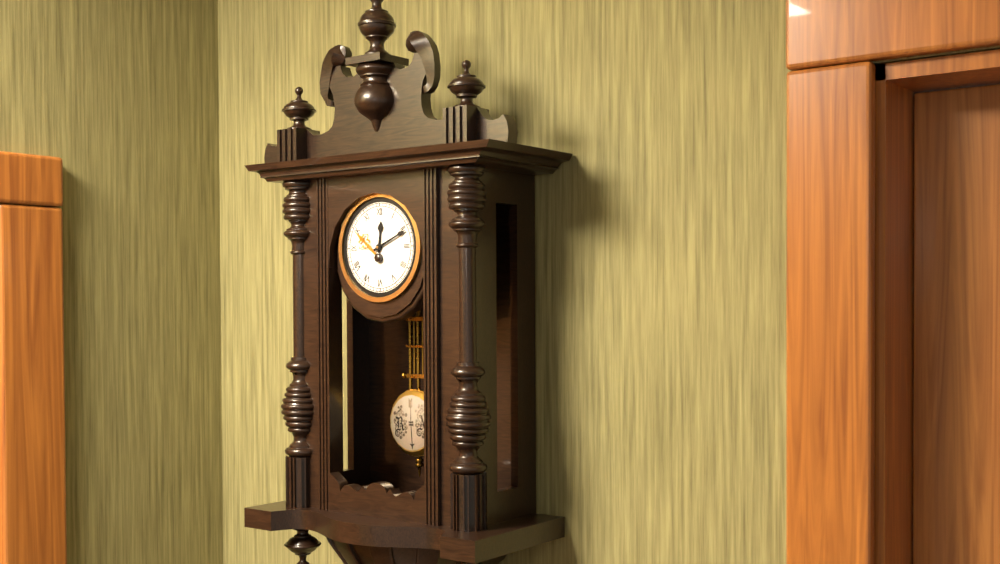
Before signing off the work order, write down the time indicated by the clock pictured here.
12:11
